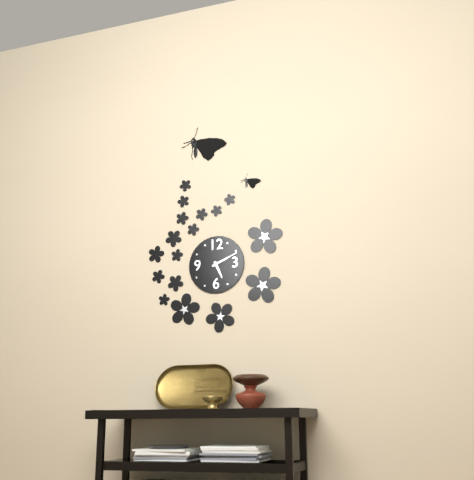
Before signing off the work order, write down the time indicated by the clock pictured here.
5:11
